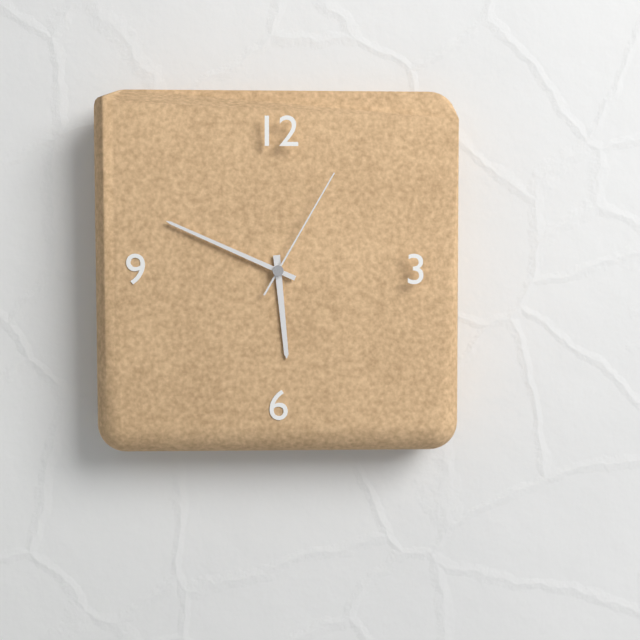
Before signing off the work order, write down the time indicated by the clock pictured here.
5:49:05
